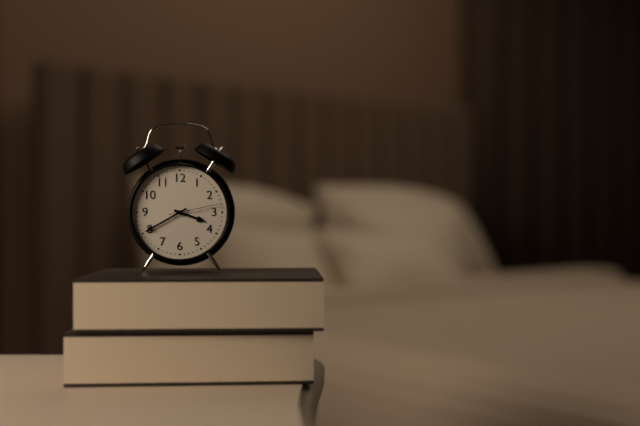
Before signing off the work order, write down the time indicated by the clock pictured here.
3:40:13
